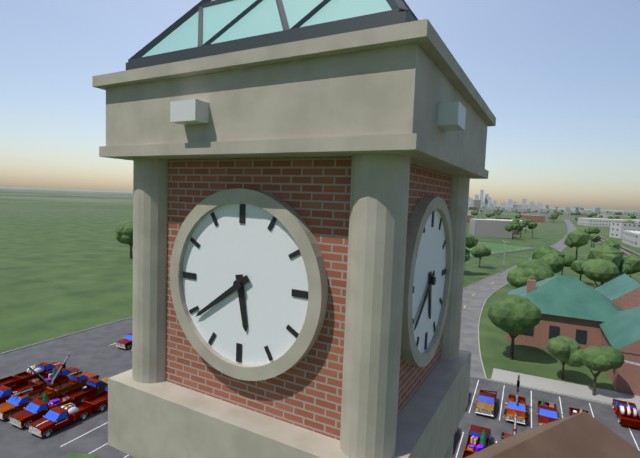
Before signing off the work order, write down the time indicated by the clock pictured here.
5:39
